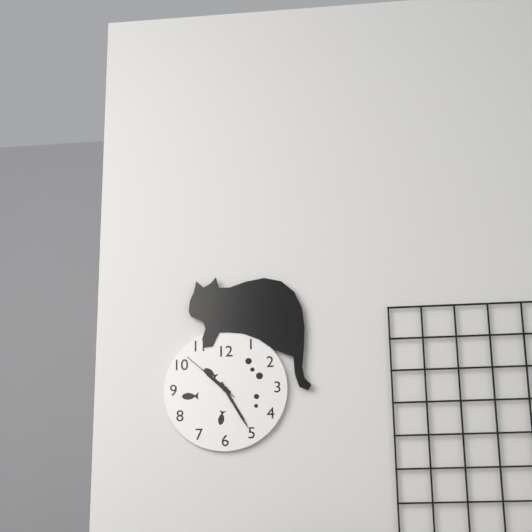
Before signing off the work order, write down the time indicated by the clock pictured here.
10:25:52
